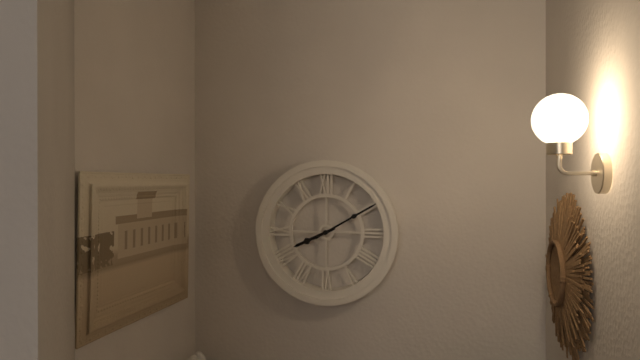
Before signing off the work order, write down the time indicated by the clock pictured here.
8:10
